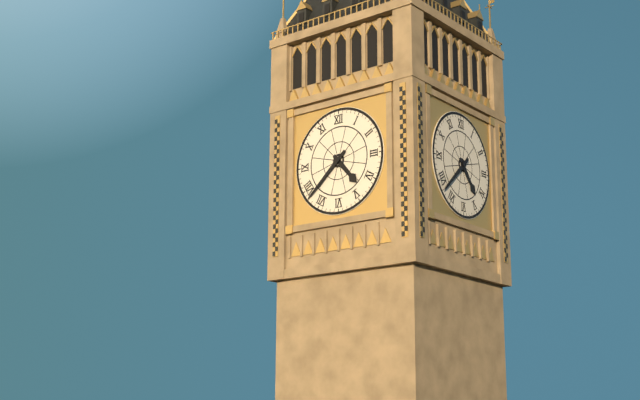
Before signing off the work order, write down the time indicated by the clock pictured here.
4:38
